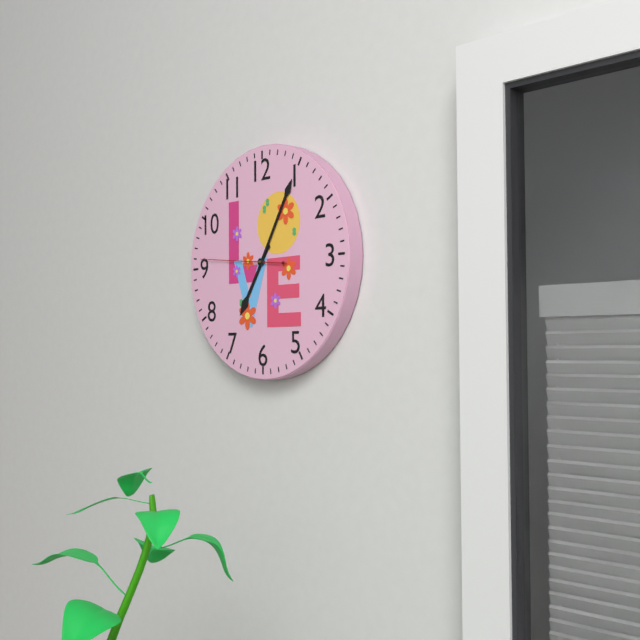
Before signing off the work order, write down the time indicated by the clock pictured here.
7:05:46
